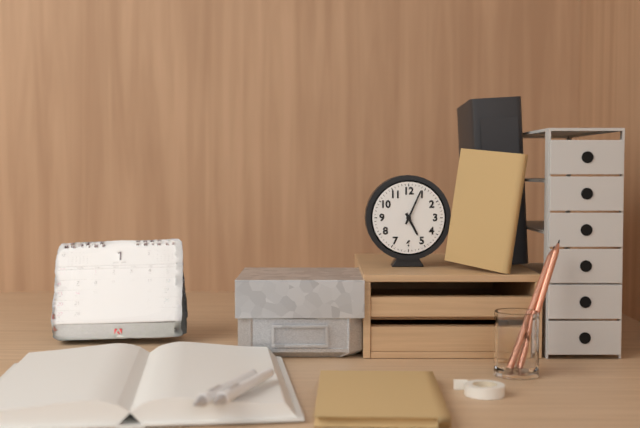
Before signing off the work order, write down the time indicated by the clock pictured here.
5:04
